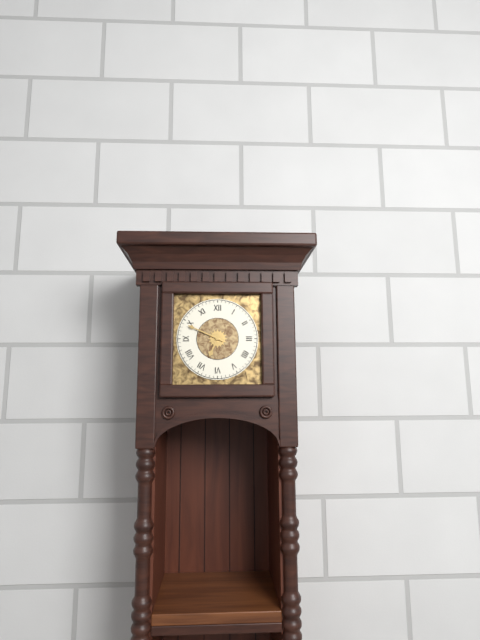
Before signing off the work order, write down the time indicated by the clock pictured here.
6:49
